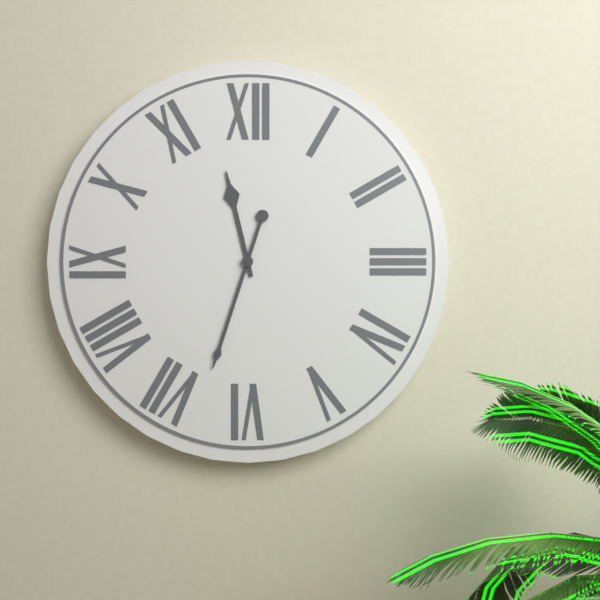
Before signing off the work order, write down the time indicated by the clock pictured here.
11:33
